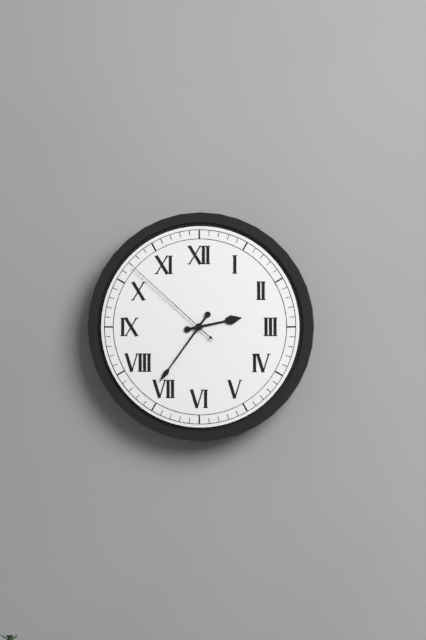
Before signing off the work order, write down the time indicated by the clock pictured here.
2:36:52
